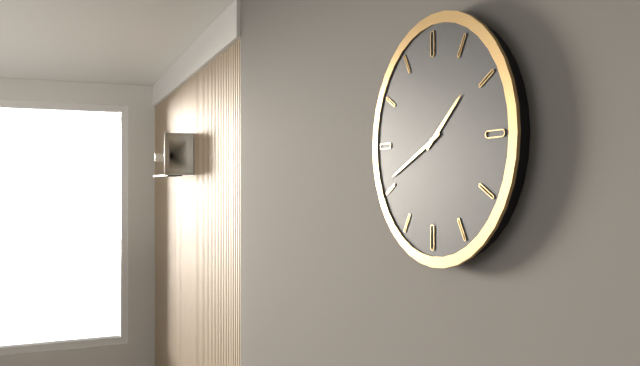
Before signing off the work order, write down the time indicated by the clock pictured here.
1:41
